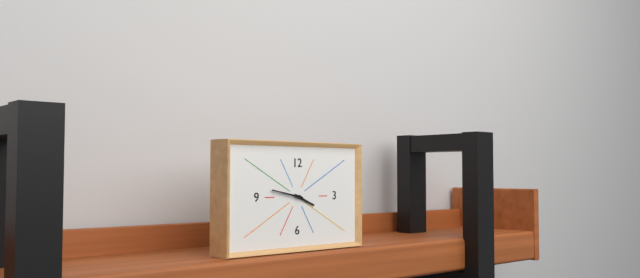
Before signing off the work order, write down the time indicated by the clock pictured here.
3:47
